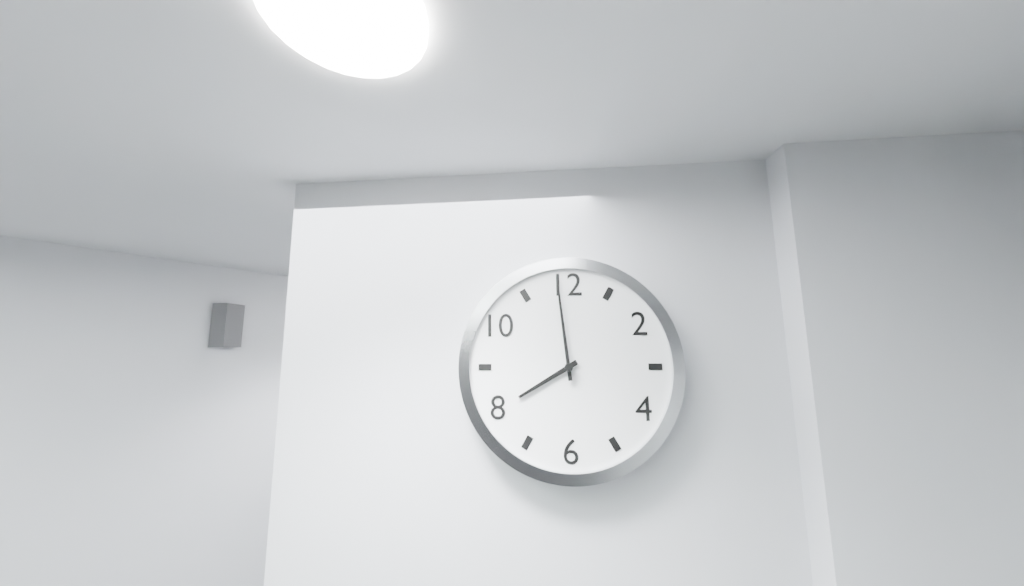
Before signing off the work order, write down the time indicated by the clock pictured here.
7:59
